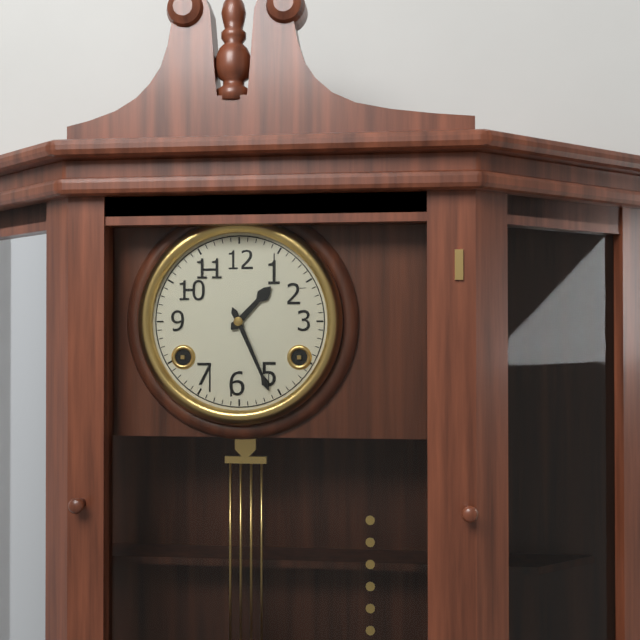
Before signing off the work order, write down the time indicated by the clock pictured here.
1:26
